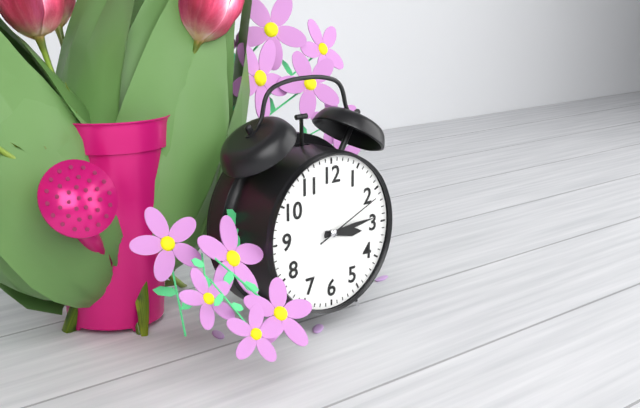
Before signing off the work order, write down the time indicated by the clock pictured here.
3:14:11
